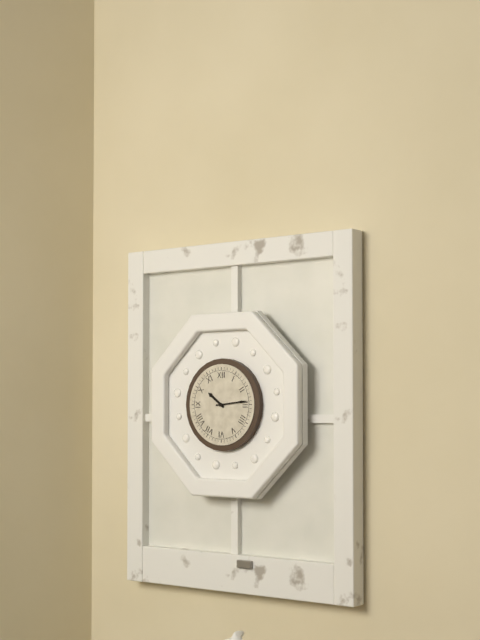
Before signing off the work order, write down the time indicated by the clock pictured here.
10:14
